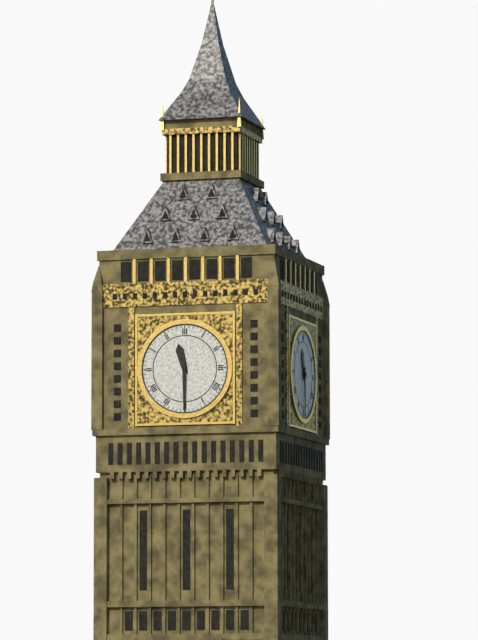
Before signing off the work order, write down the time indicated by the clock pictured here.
11:30
